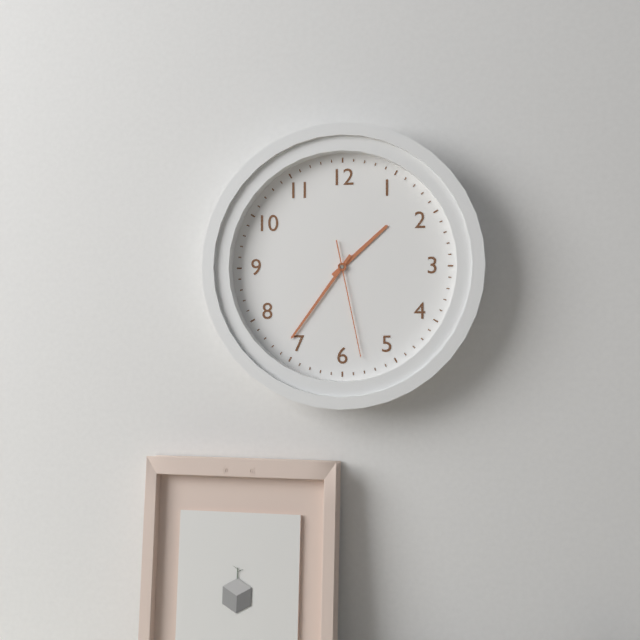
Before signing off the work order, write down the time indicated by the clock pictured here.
1:36:28
